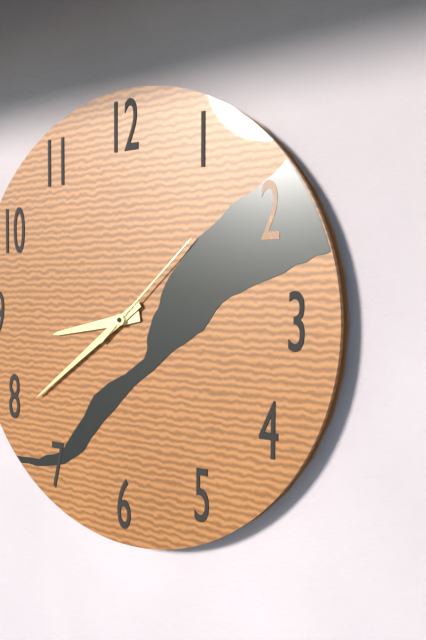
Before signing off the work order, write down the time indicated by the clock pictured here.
8:39:08
